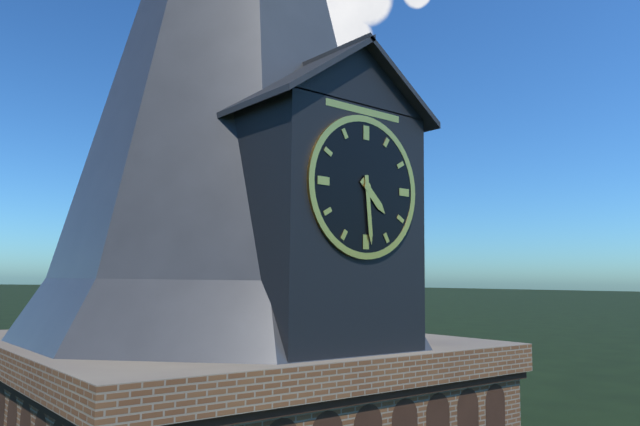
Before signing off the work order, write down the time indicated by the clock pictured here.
4:29
